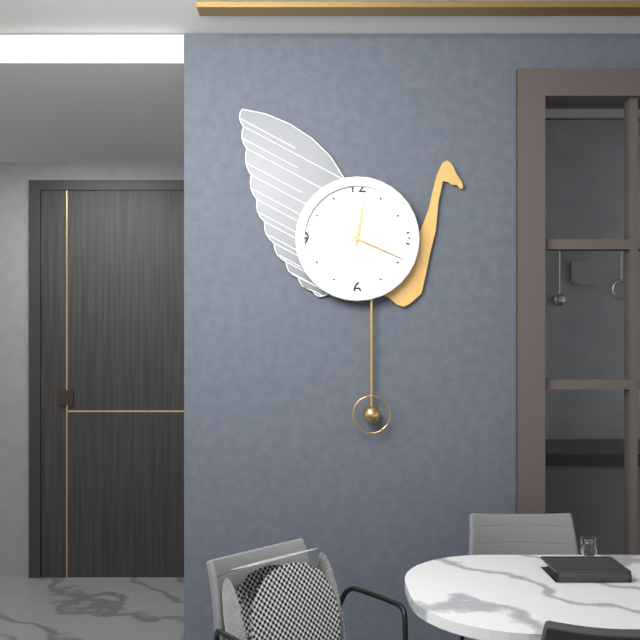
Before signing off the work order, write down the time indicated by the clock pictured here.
12:19
